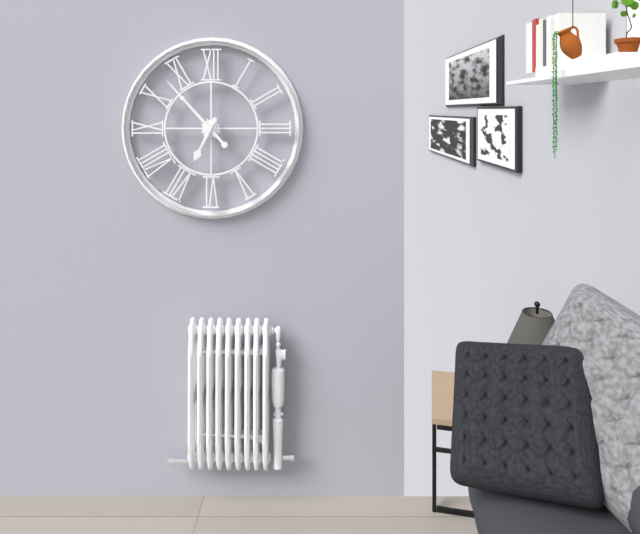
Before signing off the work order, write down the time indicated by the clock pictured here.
6:53
